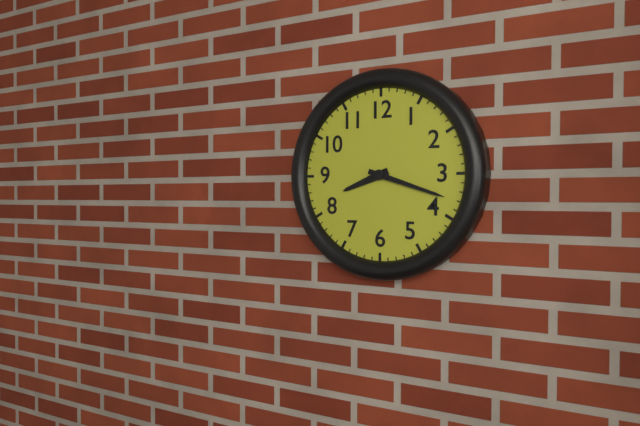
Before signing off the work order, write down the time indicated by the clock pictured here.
8:18
